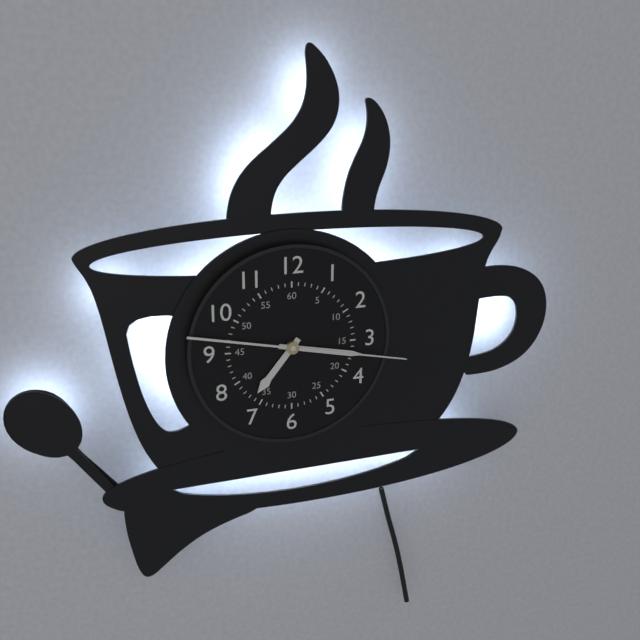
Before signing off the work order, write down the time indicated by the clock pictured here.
7:17:17
